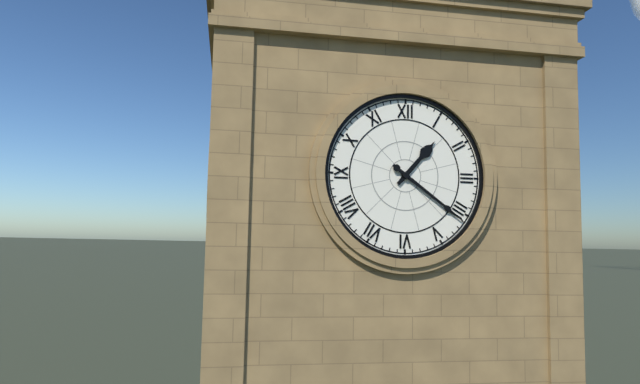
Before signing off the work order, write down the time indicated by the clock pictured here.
1:21
